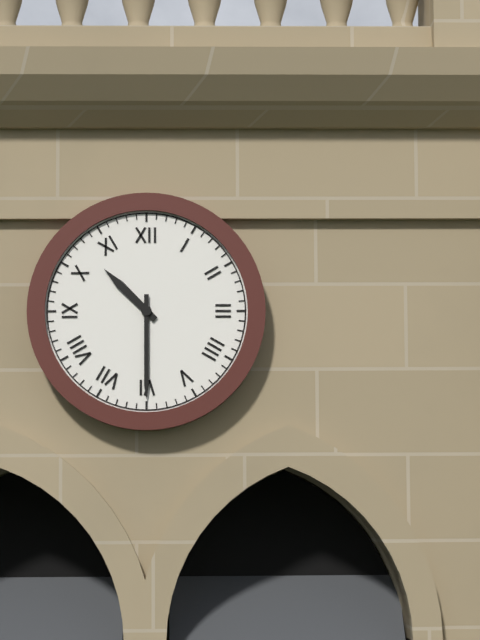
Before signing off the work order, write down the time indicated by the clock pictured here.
10:30
